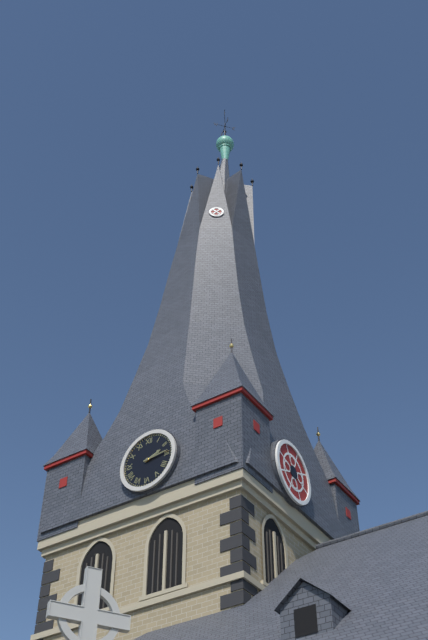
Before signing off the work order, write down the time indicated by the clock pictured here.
2:14
